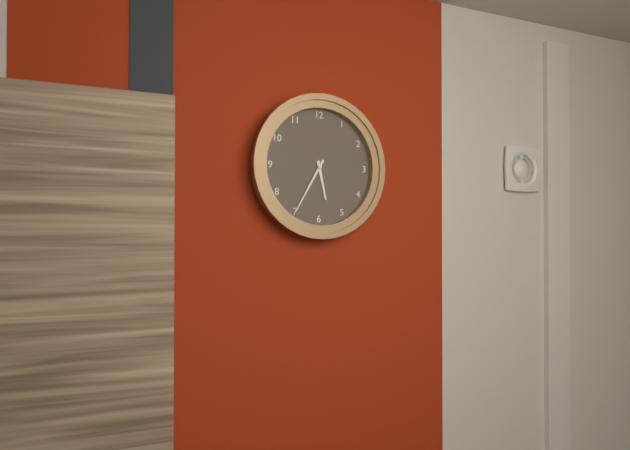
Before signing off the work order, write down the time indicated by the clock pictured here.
5:35
